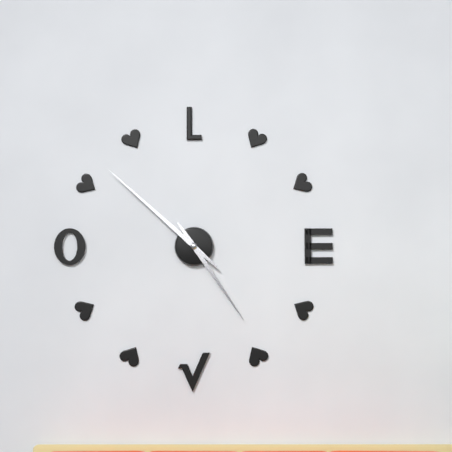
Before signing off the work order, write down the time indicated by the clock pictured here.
4:52
